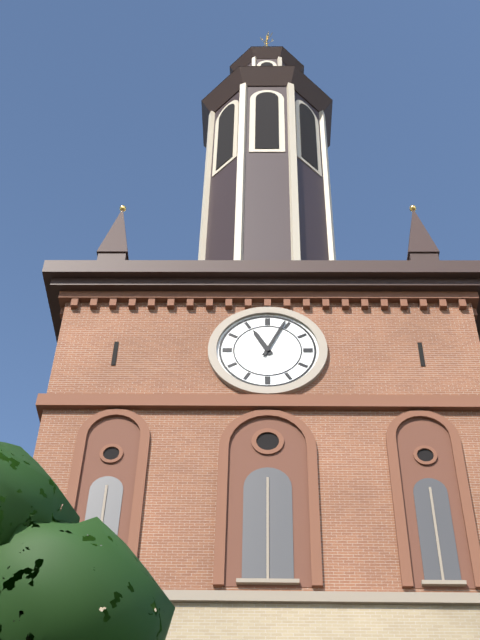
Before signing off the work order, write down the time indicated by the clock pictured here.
11:04
